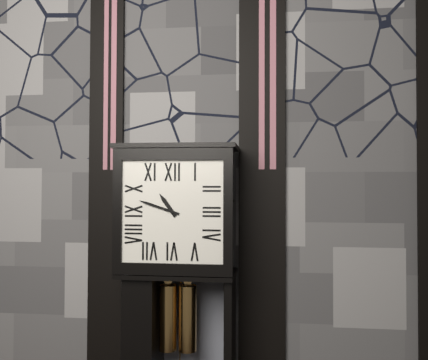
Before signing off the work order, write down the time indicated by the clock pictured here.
10:48
